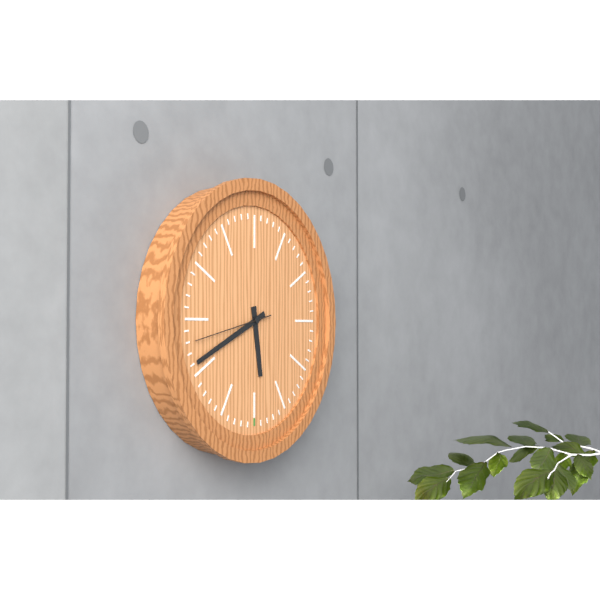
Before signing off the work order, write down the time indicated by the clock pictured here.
5:41:43
